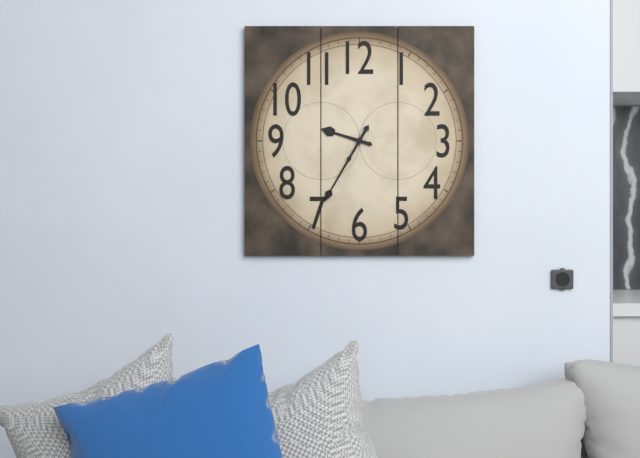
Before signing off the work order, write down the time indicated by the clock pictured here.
9:35
